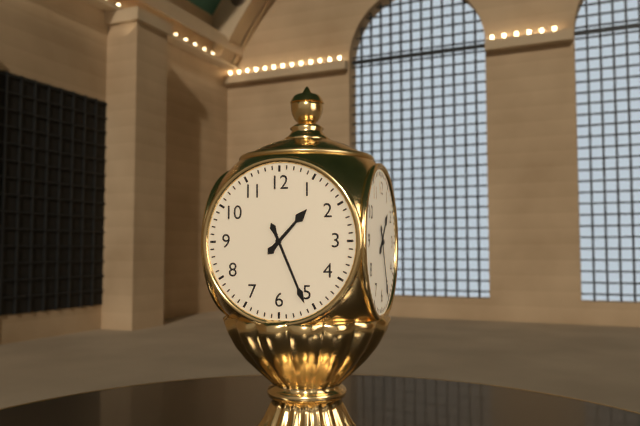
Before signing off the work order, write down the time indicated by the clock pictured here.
1:26
